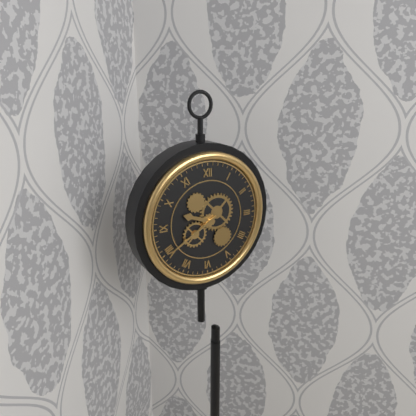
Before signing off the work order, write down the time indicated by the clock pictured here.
9:40
